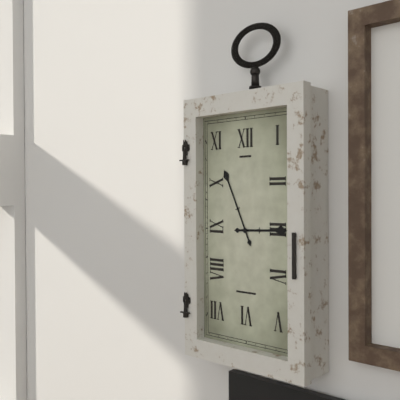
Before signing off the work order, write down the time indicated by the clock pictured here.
2:56
